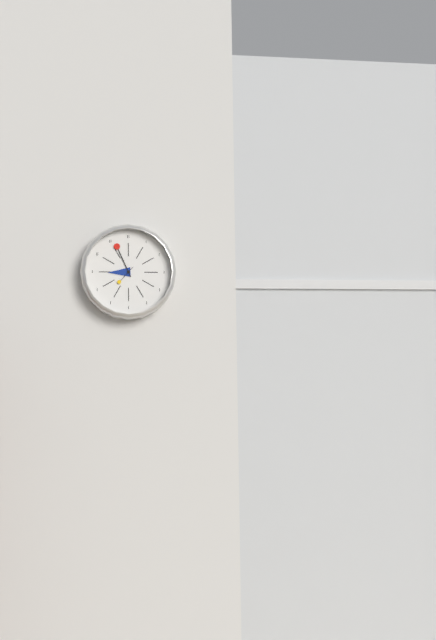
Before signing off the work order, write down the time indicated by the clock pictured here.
8:56
